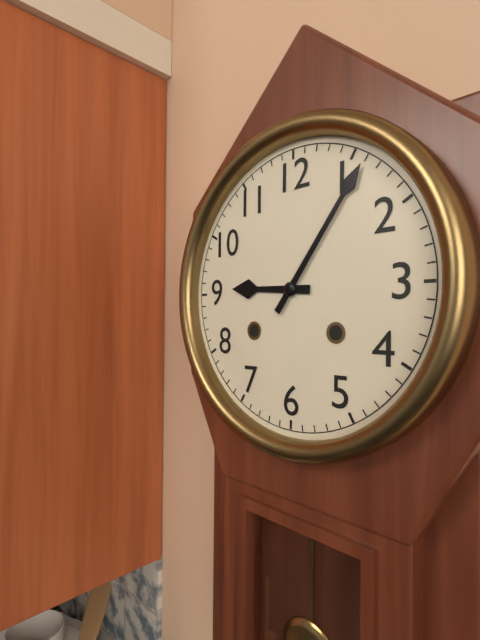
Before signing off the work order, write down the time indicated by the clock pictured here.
9:06
